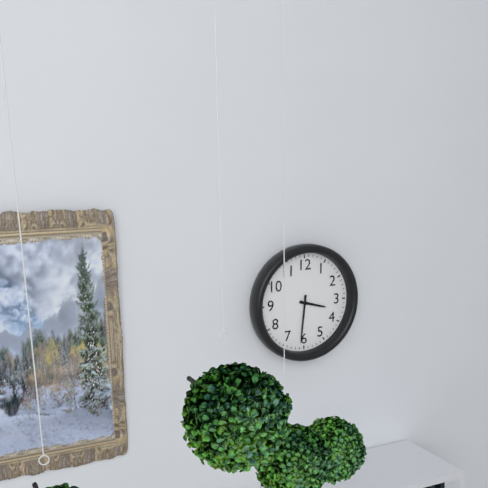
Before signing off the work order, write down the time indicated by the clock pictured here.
3:31
